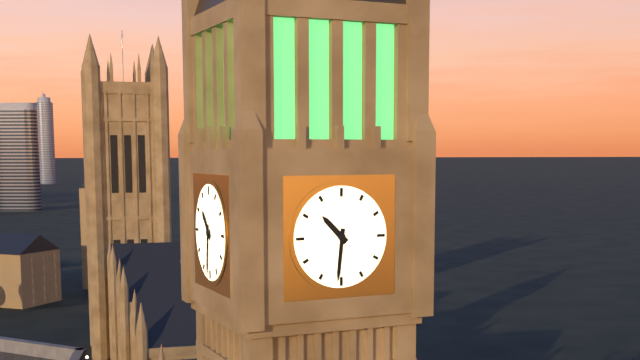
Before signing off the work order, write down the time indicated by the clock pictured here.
10:31
